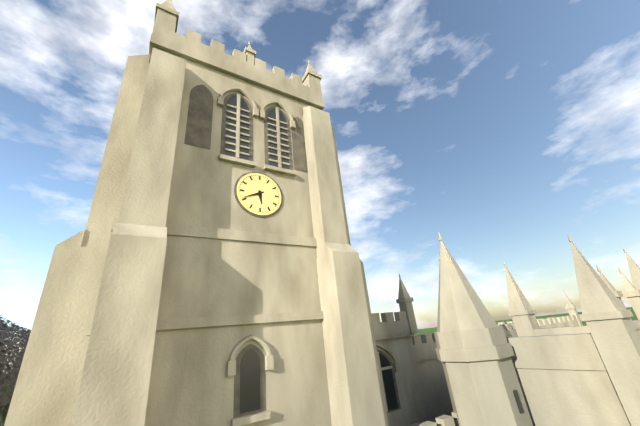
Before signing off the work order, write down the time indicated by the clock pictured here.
5:41
